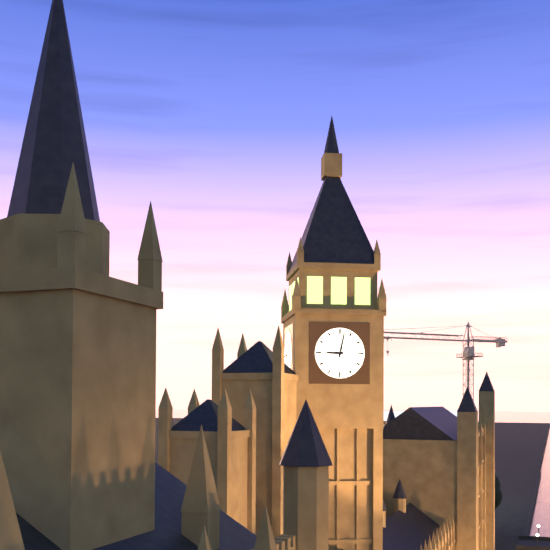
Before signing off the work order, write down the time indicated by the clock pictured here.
9:02
